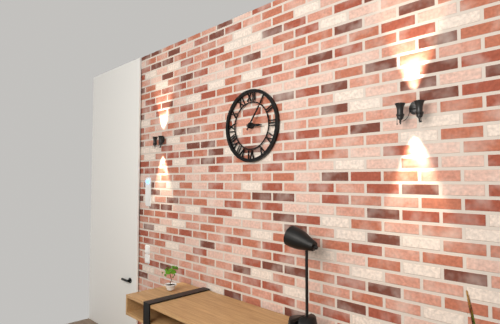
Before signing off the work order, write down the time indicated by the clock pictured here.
3:06
